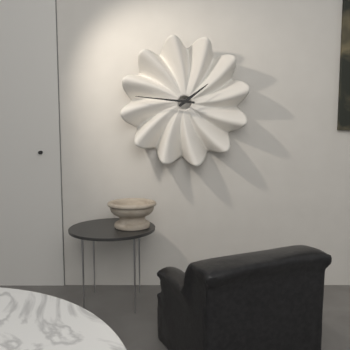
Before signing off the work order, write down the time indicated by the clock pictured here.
1:46
